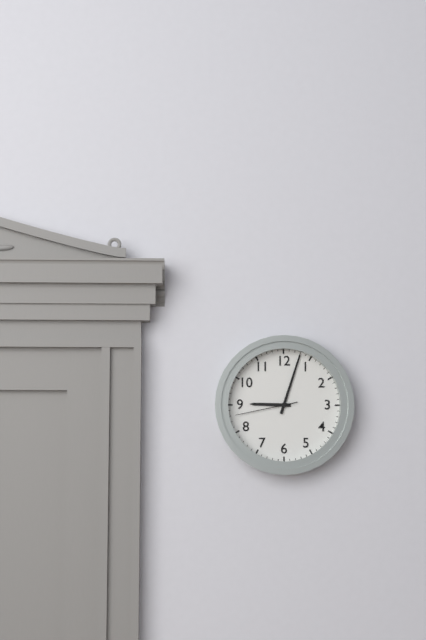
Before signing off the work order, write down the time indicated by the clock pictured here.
9:03:43
